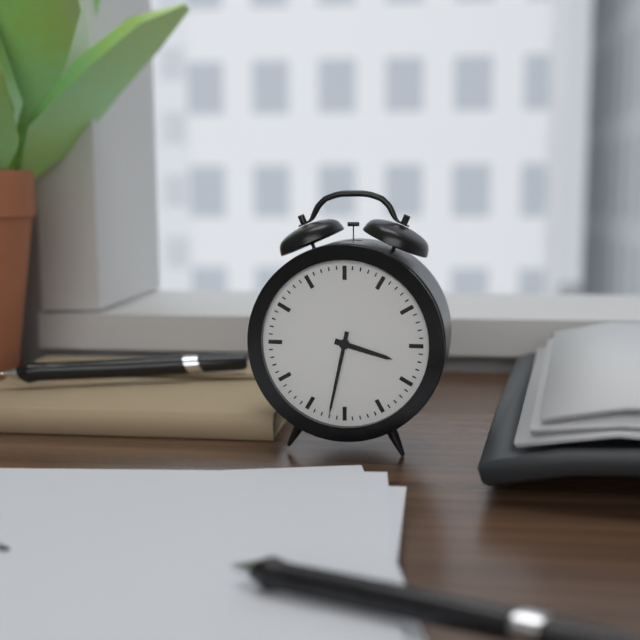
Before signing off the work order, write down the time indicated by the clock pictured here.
3:32
